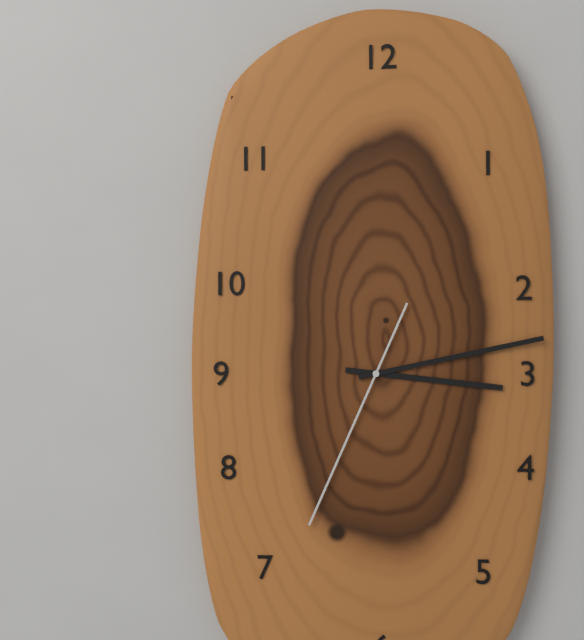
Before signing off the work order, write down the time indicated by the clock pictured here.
3:13:34
